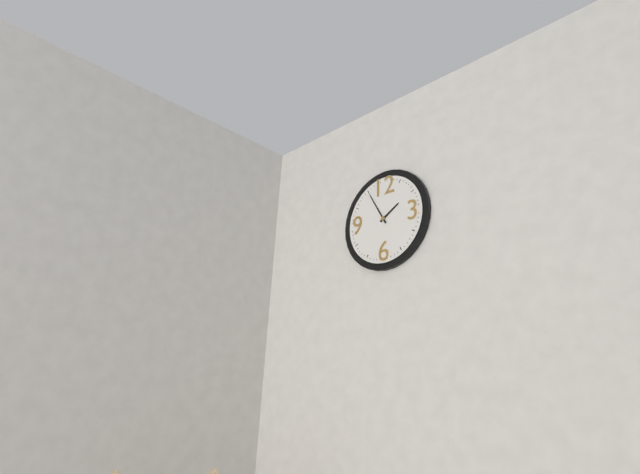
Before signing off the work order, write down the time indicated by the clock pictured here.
1:55
